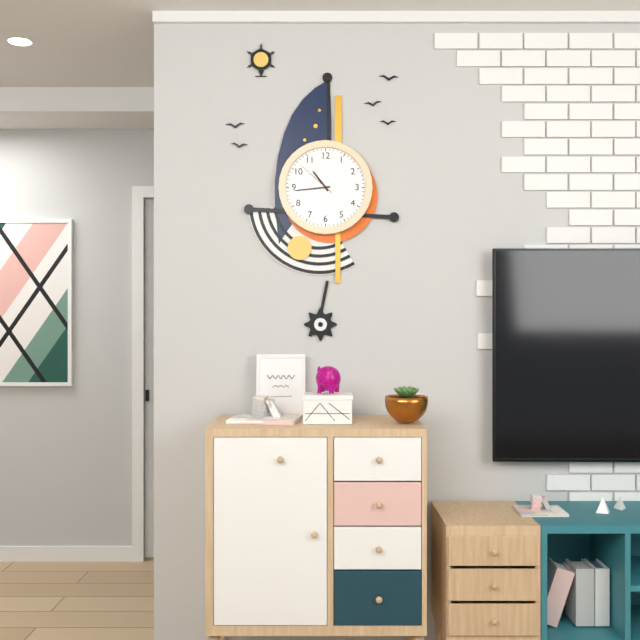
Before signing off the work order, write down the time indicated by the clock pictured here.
10:44
